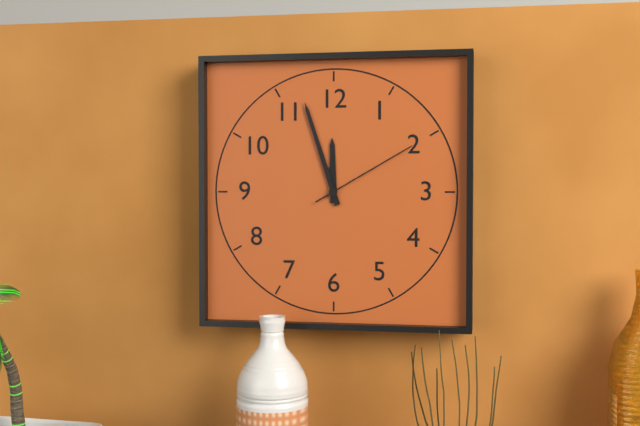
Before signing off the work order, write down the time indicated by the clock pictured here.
11:57:10
